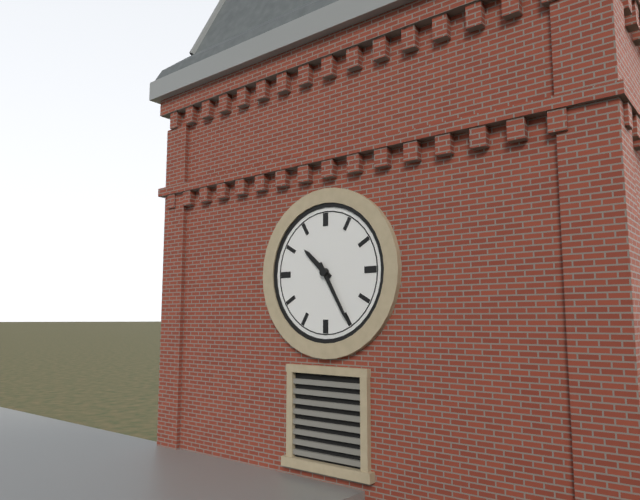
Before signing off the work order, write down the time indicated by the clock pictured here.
10:25
